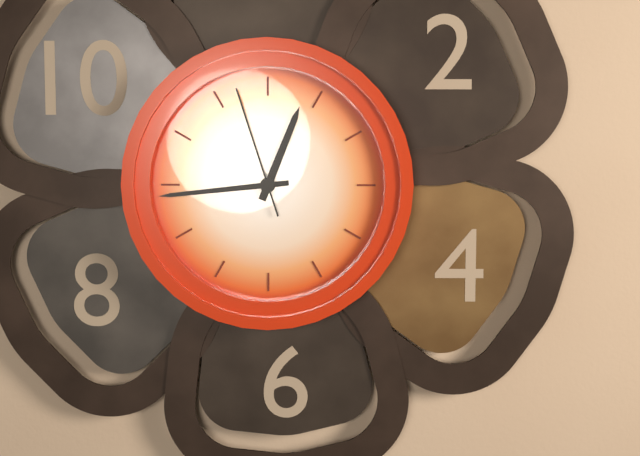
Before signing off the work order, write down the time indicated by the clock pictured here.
12:44:57
